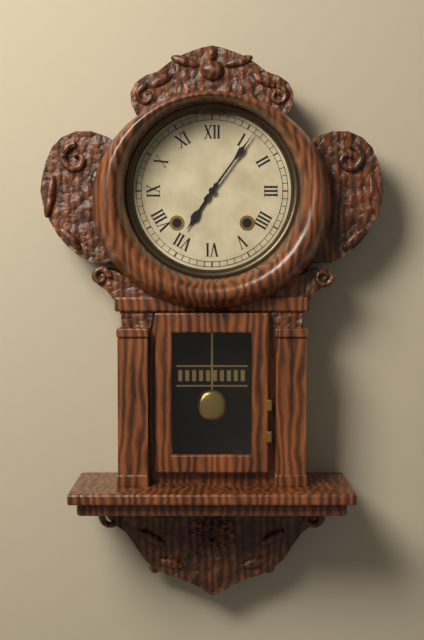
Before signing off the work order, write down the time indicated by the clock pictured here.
7:06
